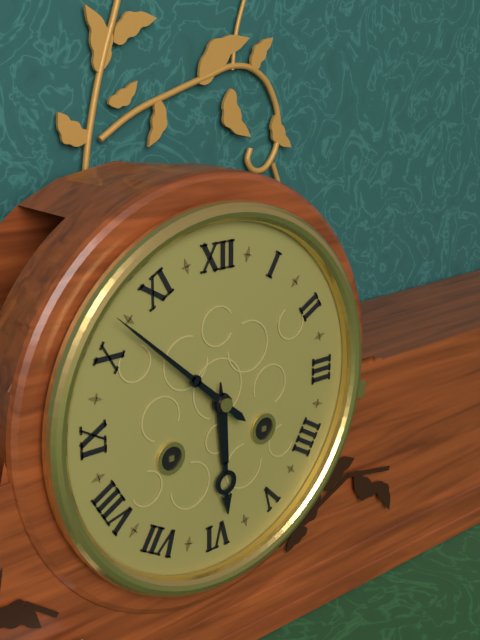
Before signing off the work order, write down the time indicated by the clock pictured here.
5:52
